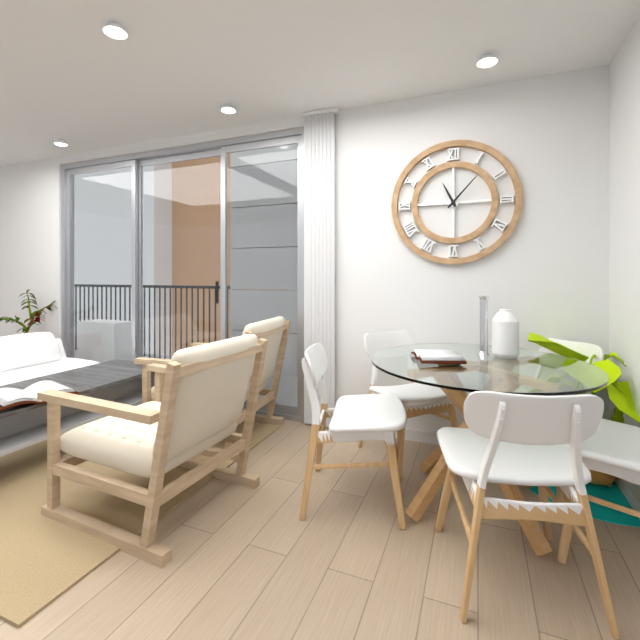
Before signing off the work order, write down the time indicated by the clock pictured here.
11:07
